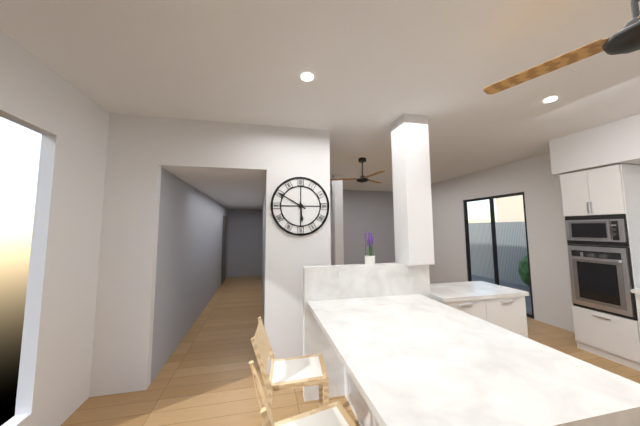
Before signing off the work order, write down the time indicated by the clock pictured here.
5:50
